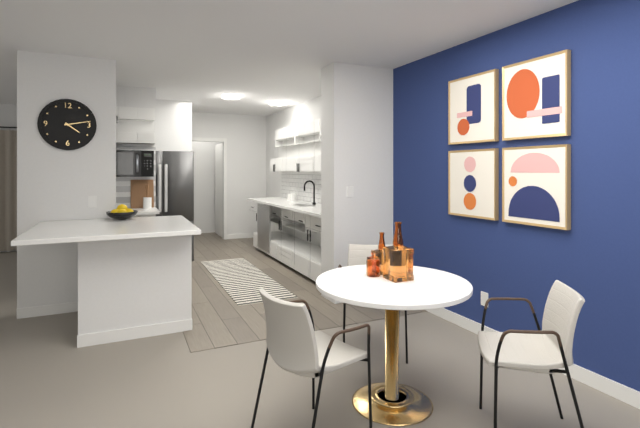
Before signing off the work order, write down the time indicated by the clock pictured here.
4:13
